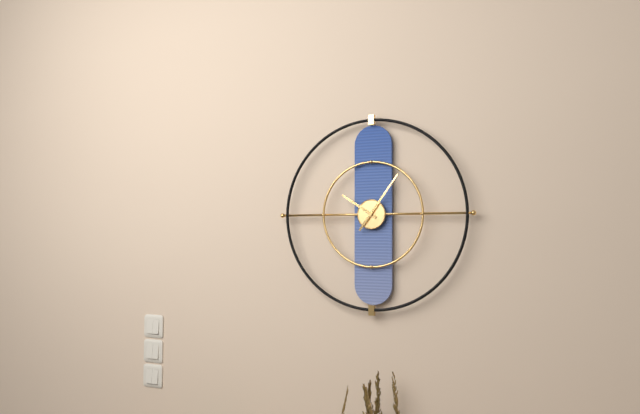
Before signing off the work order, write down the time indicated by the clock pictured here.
10:06
